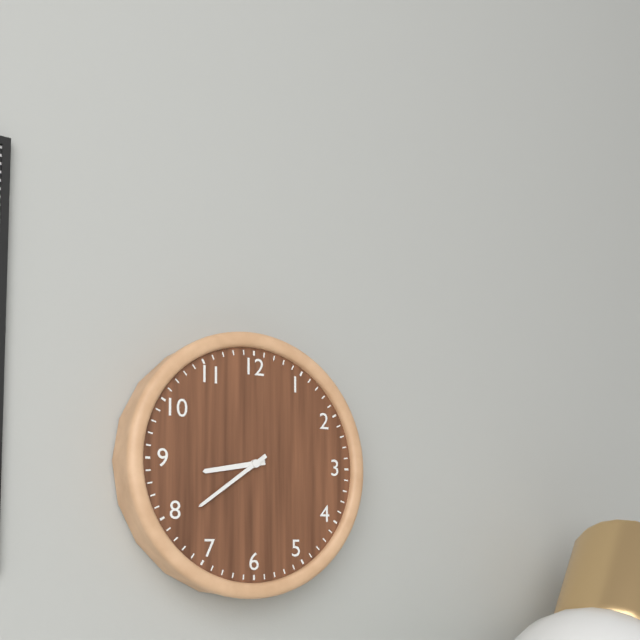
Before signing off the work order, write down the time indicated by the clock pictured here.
8:39
